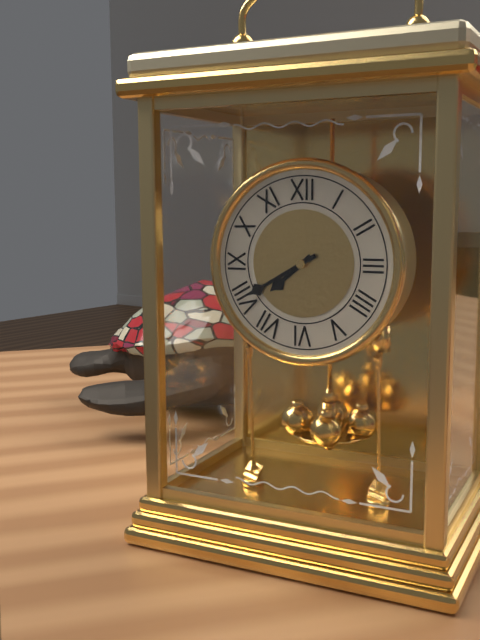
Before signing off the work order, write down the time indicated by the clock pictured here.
7:40
